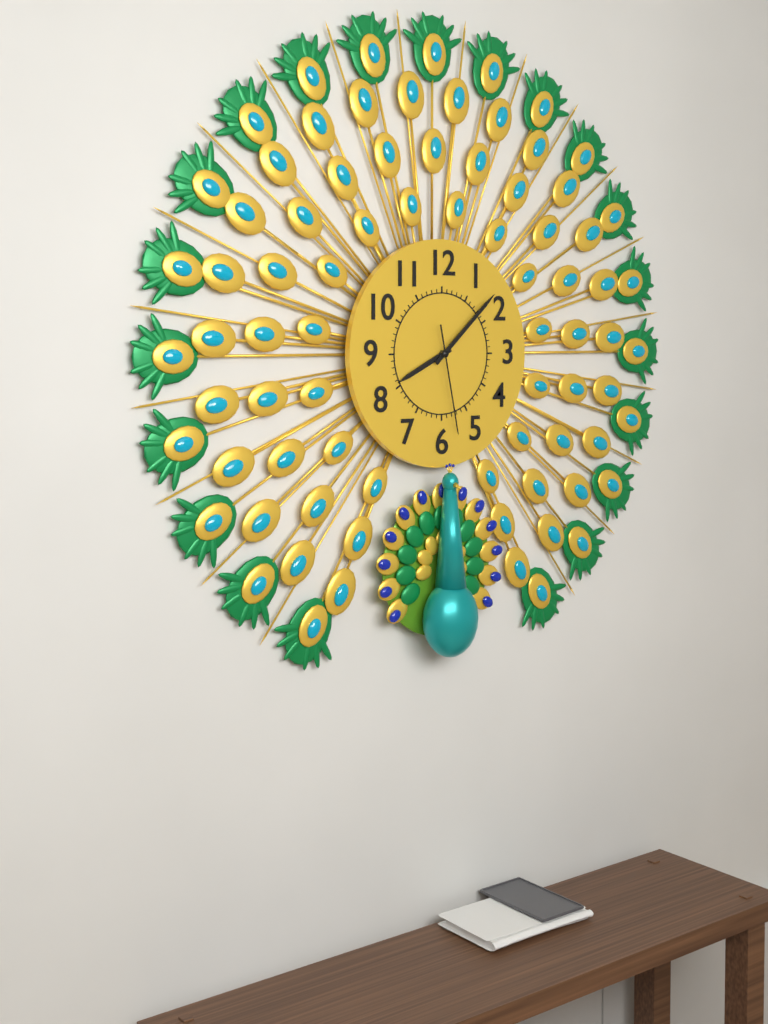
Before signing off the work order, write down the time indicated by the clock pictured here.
8:08:28
